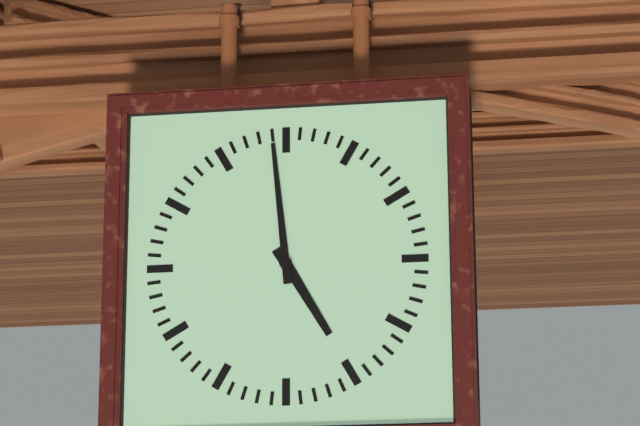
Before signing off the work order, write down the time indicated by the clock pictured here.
4:59
